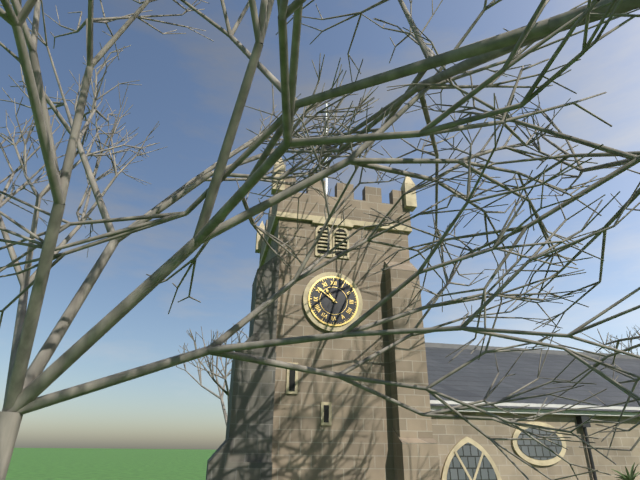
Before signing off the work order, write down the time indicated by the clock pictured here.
10:51
